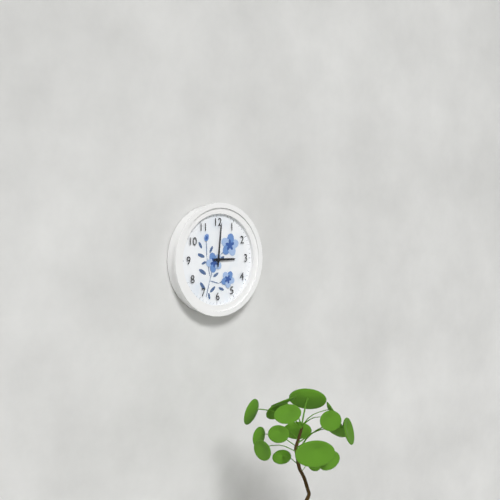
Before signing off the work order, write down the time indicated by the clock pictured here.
3:01
